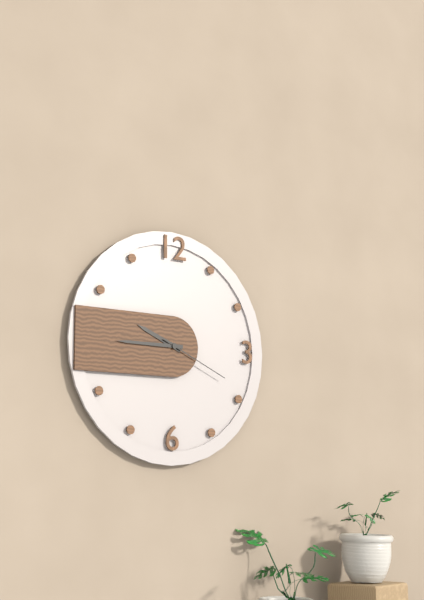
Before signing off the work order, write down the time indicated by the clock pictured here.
9:45:19
